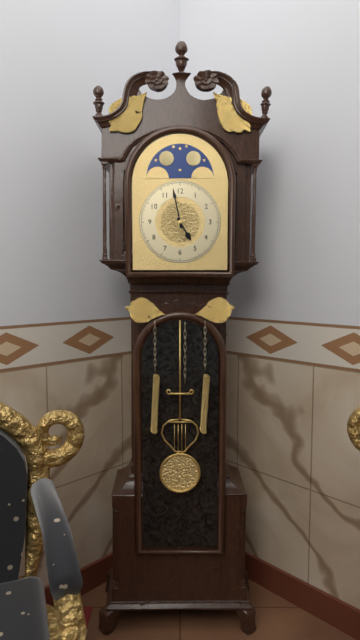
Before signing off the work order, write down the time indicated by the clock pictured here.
4:58
